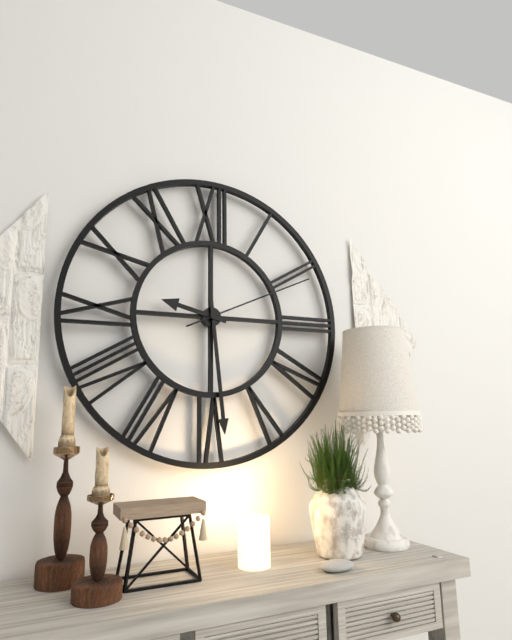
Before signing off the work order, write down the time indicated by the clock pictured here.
9:29:11
